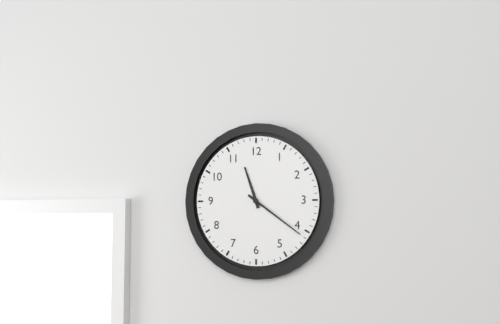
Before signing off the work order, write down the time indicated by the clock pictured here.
11:21
